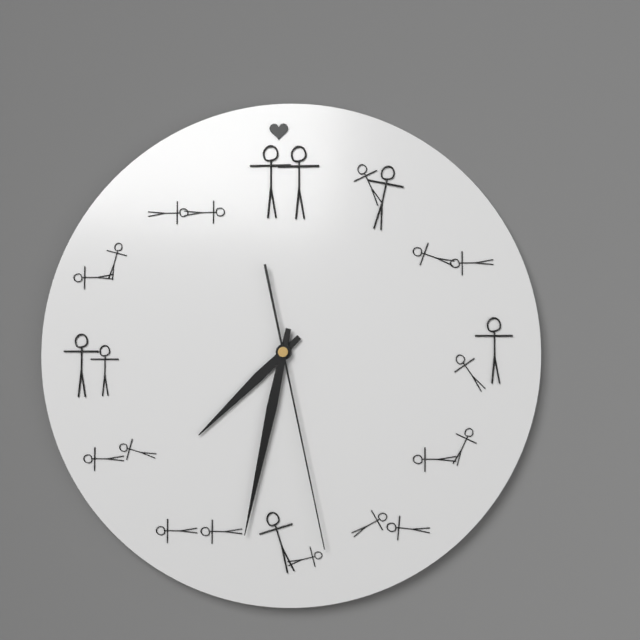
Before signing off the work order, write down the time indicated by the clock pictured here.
7:32:28
